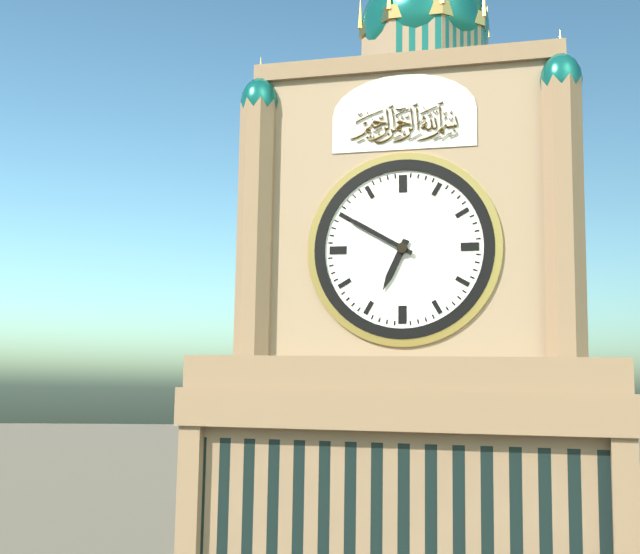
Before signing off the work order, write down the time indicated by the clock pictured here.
6:50
